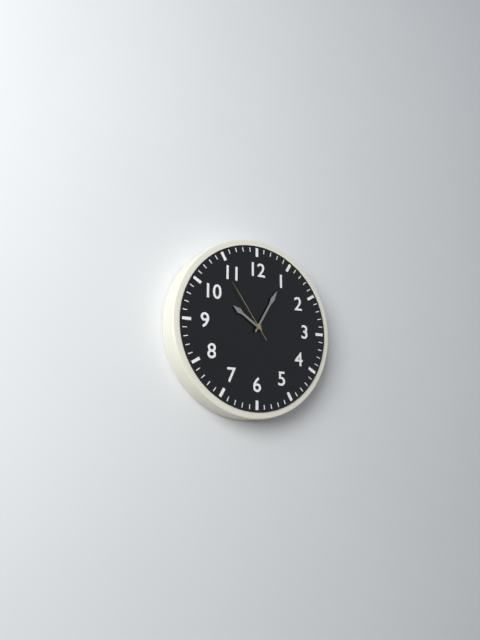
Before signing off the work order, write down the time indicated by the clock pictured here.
10:05:54
